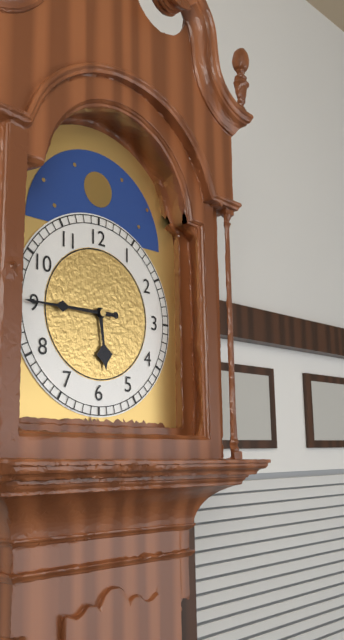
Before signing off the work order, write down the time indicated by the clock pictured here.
5:45
